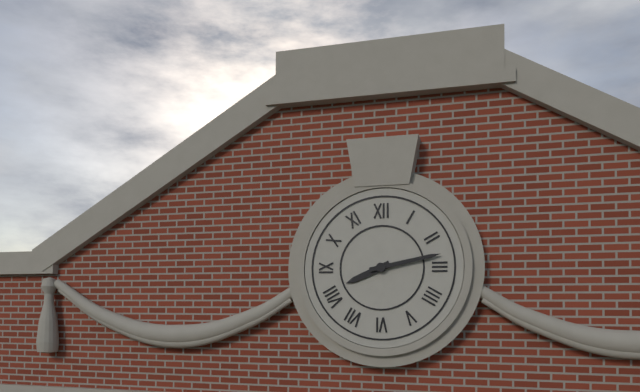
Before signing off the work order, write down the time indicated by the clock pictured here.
8:13
